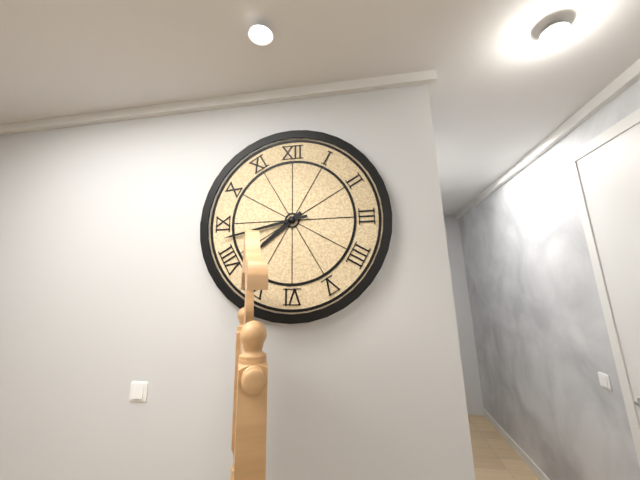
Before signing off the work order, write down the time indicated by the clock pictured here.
7:43
